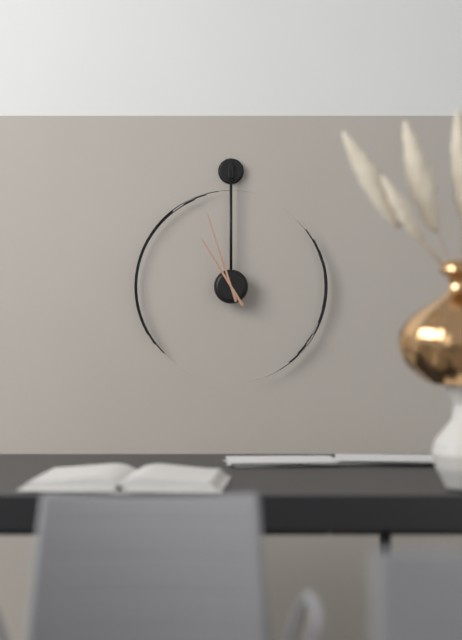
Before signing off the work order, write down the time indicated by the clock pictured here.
10:57
